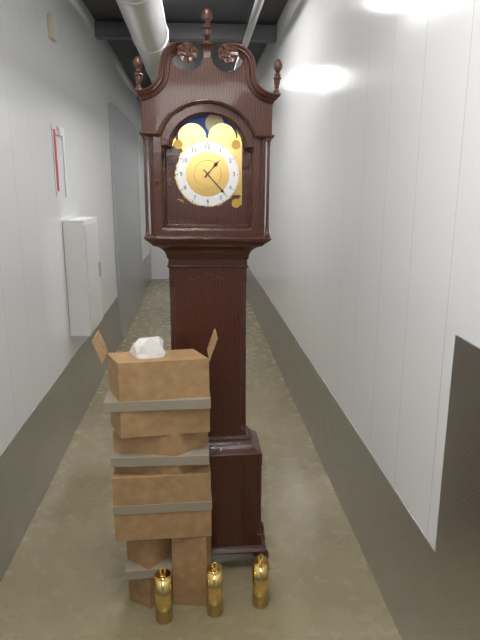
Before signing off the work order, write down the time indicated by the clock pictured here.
1:23
